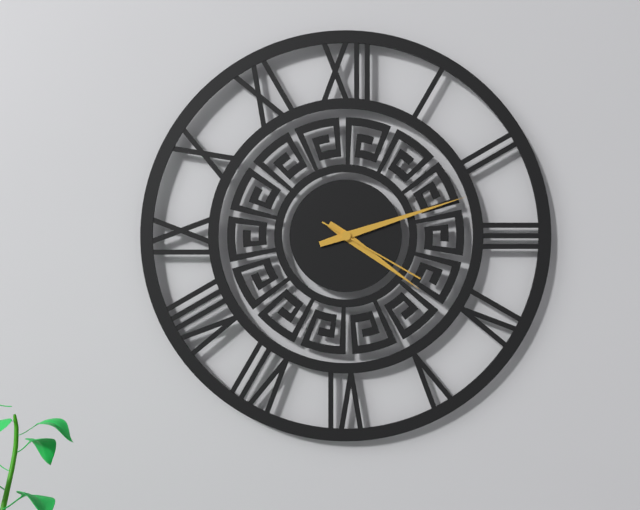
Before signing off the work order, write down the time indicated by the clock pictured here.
4:12:20
